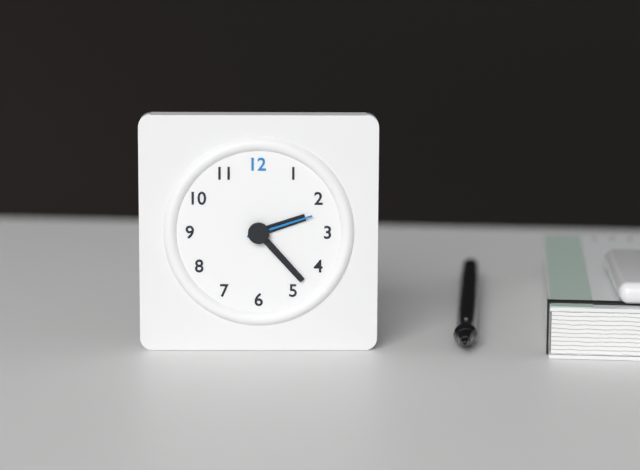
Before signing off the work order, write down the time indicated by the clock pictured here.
2:23:12
